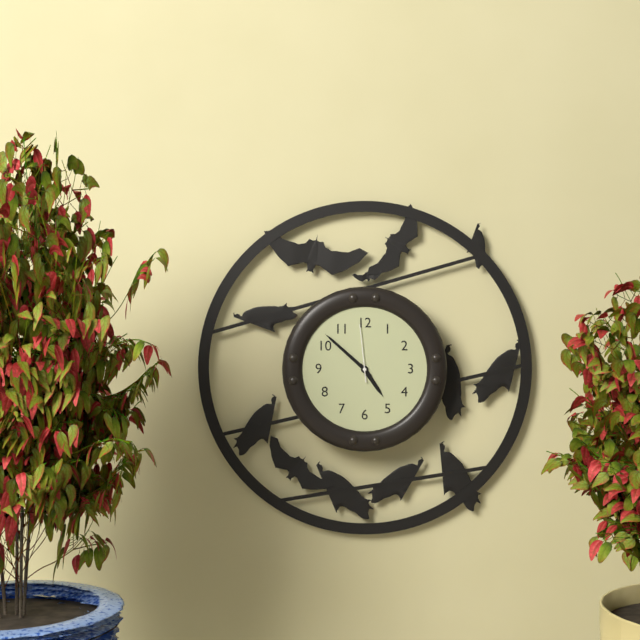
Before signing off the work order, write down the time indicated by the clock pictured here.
4:52:59
